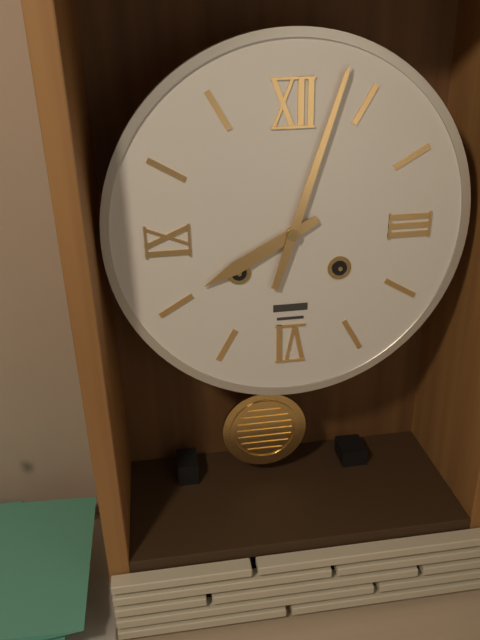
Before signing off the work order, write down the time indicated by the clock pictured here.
8:03
